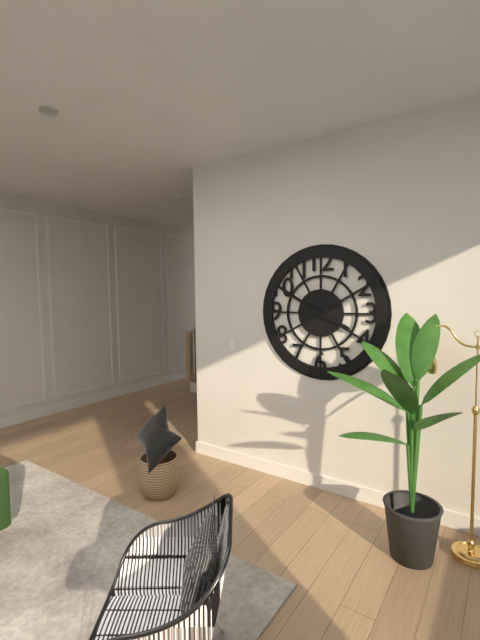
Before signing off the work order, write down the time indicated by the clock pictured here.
3:50
